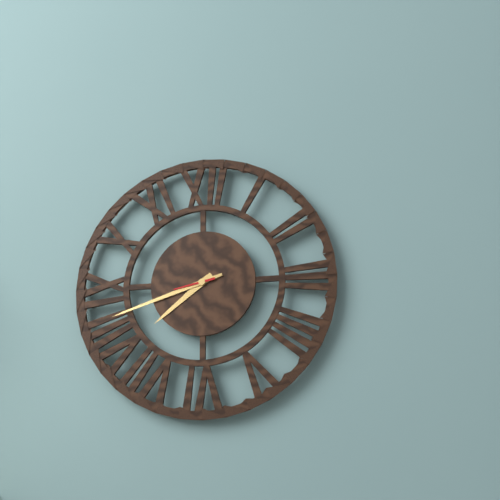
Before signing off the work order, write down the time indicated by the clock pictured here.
7:42
